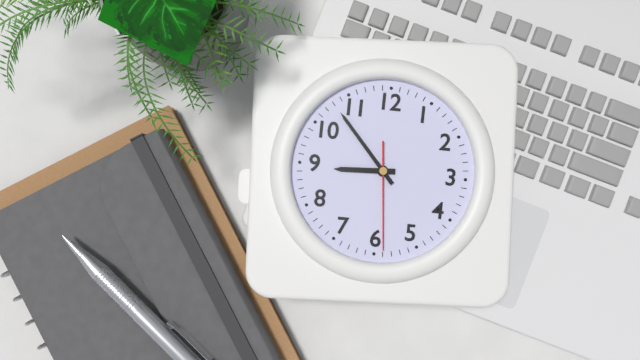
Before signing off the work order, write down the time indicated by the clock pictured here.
8:53:29
